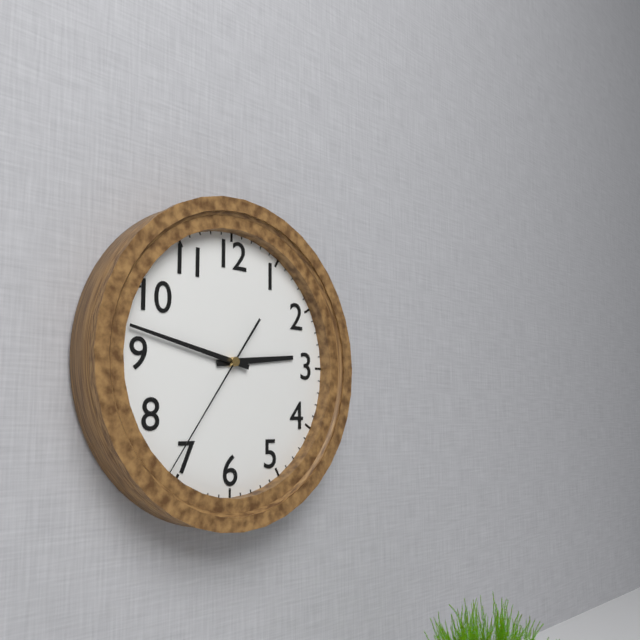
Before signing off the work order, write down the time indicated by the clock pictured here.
2:47:36
